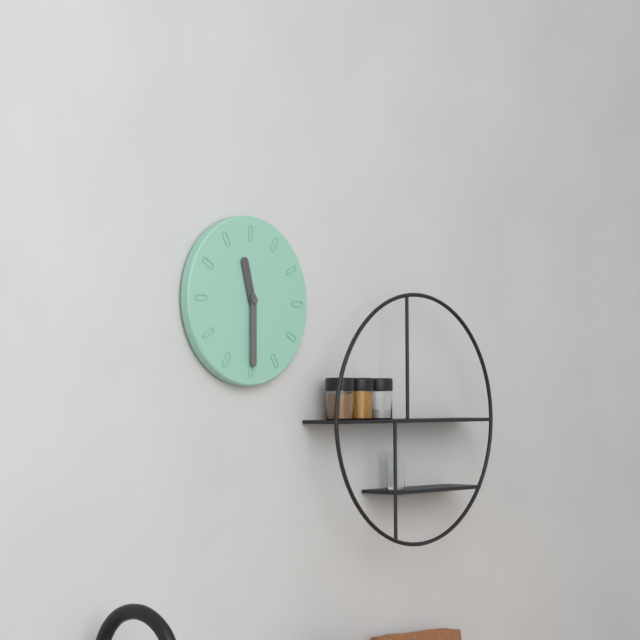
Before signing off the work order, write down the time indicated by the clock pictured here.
11:30
